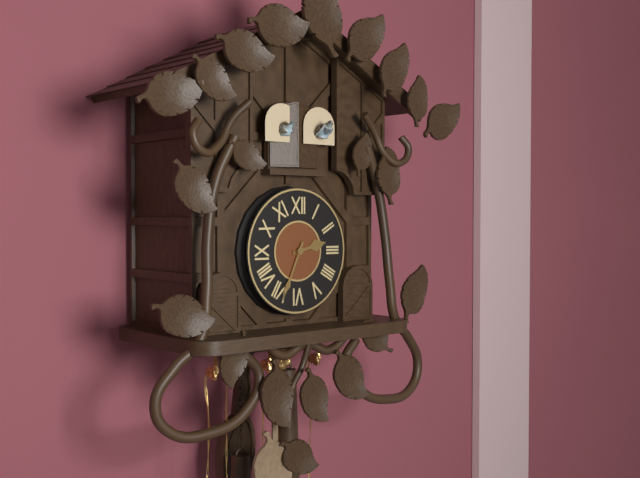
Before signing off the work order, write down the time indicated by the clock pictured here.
2:34
